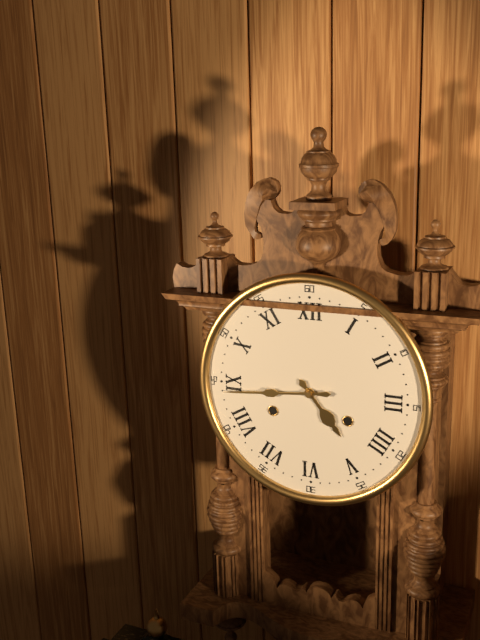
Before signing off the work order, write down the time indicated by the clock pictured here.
4:44
